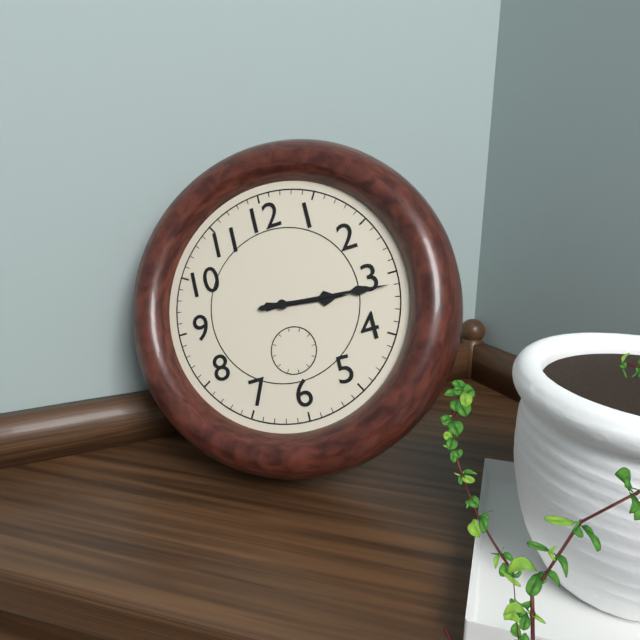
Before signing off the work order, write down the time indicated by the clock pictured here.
3:16
